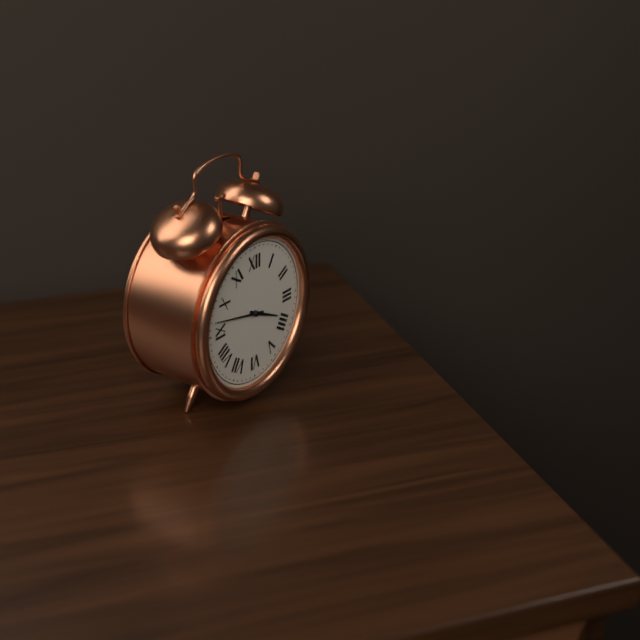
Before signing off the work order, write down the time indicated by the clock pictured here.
3:47
